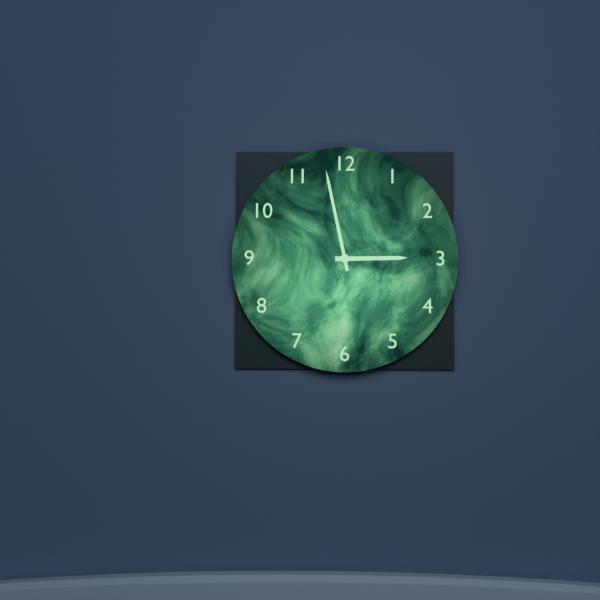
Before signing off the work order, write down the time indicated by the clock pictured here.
2:58
